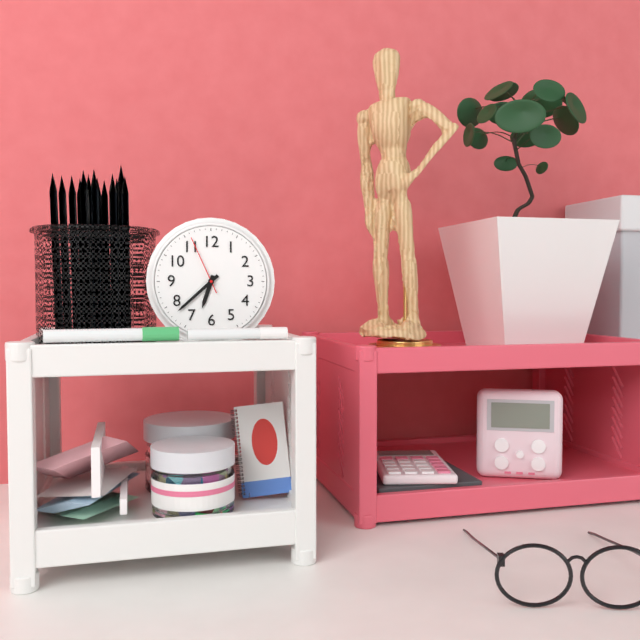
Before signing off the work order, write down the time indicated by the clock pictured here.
6:38:56
